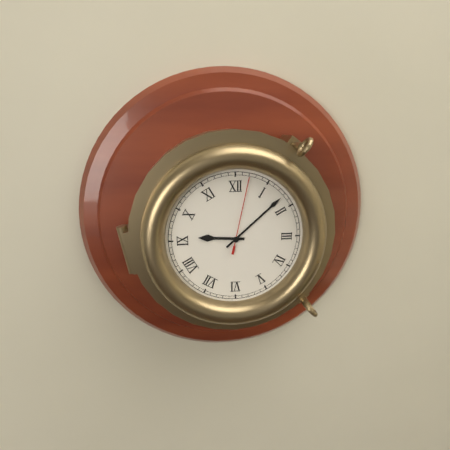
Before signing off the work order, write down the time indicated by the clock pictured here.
9:08:02
